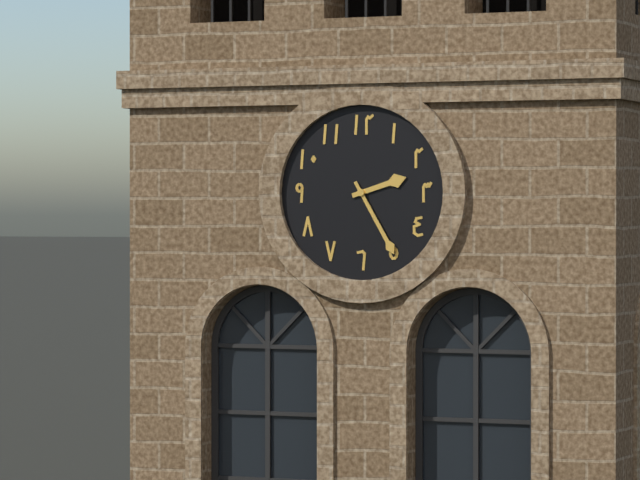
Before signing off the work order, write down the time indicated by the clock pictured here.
2:25
